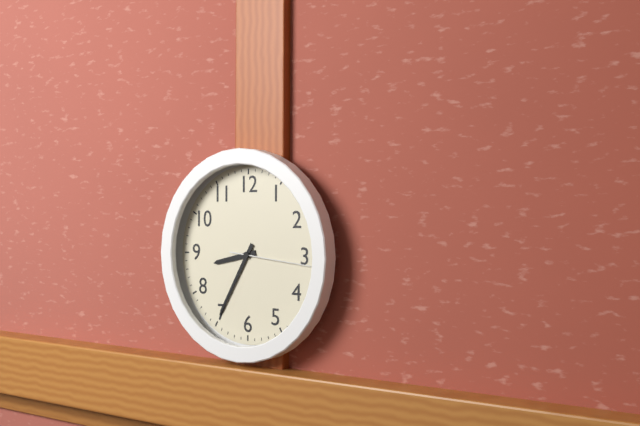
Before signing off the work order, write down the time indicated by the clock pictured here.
8:35:16
